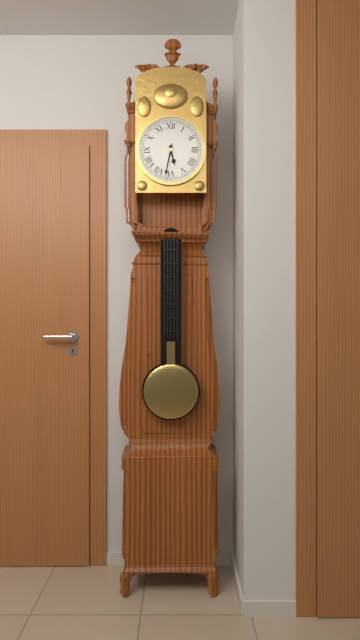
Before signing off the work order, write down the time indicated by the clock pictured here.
5:32
